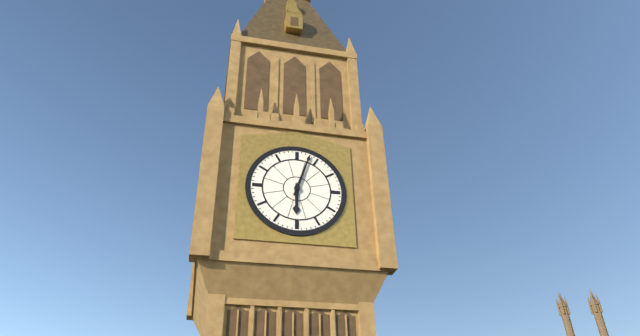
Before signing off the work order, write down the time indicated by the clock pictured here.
6:03
